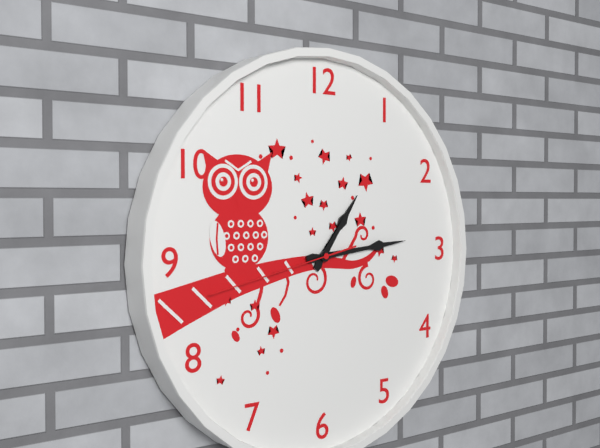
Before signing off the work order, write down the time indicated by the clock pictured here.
1:14:43
